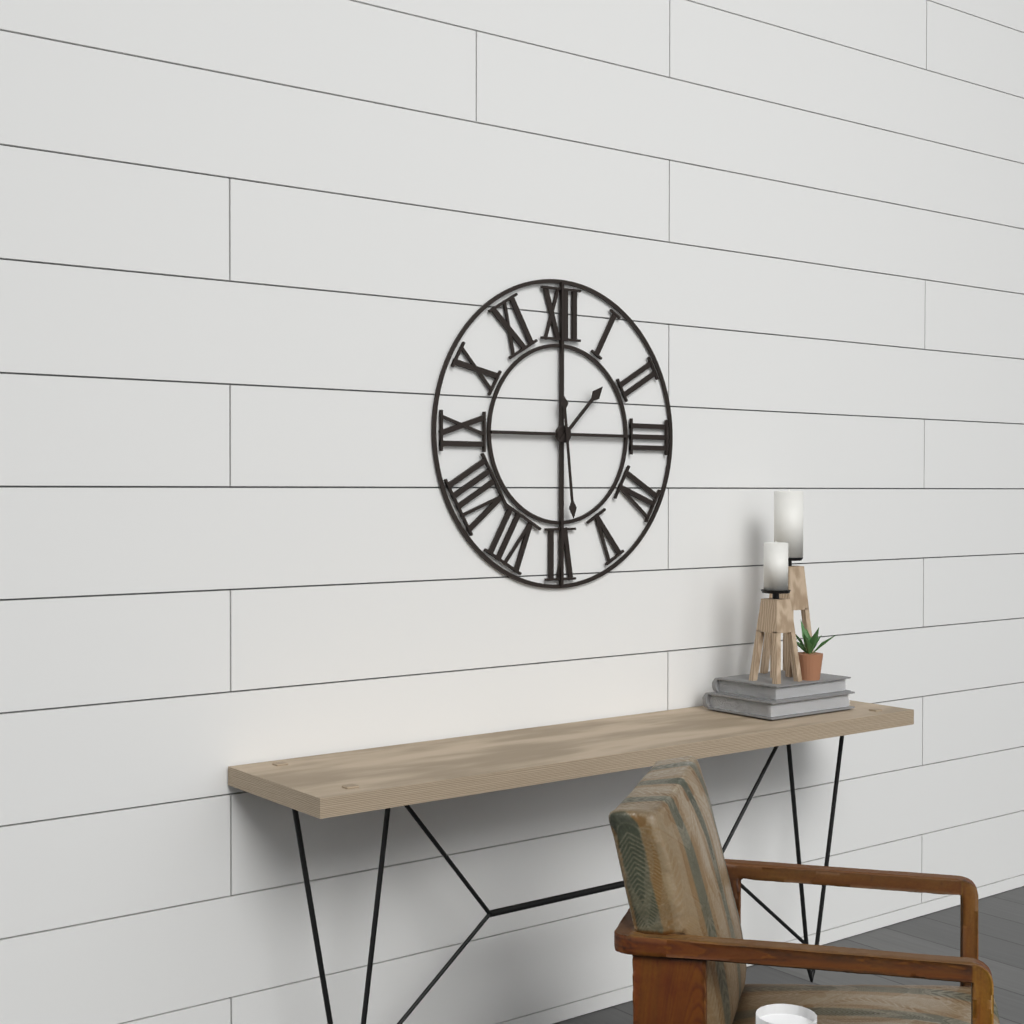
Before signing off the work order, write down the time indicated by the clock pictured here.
1:29
